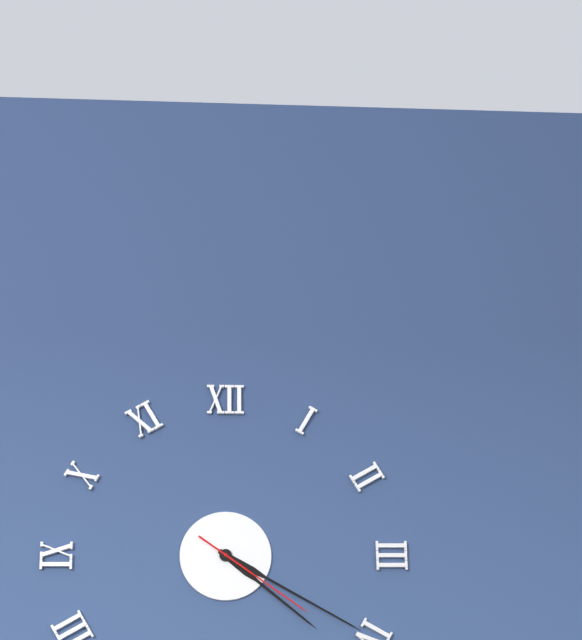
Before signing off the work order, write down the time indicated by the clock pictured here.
4:20:21
